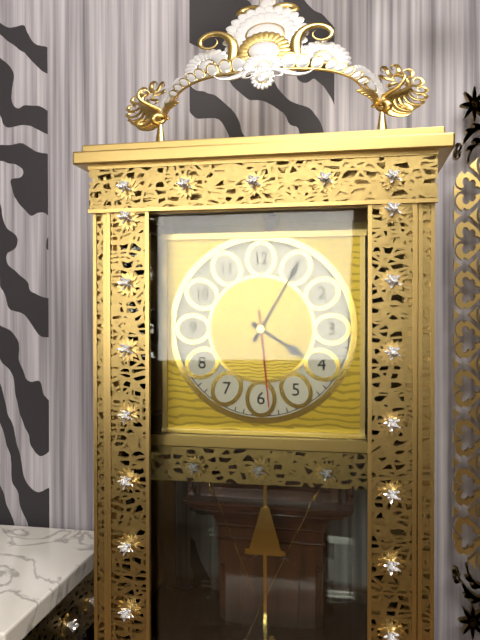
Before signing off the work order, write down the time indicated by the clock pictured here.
4:05:29
